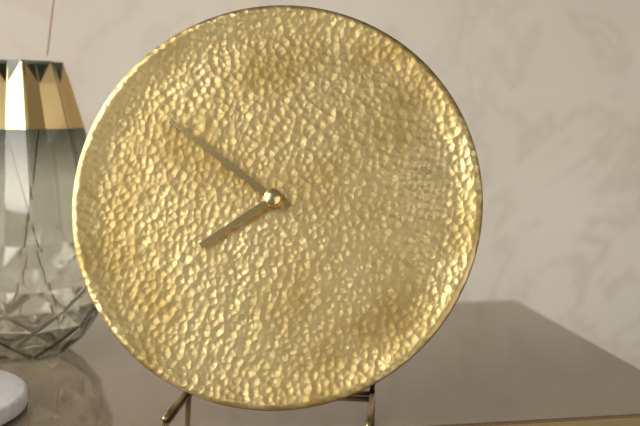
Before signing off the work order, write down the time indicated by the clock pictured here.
7:51
